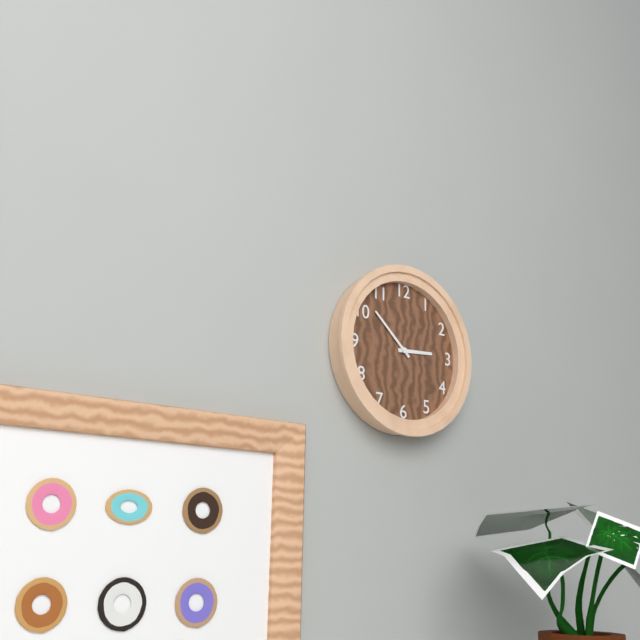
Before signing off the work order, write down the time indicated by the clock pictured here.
2:52
